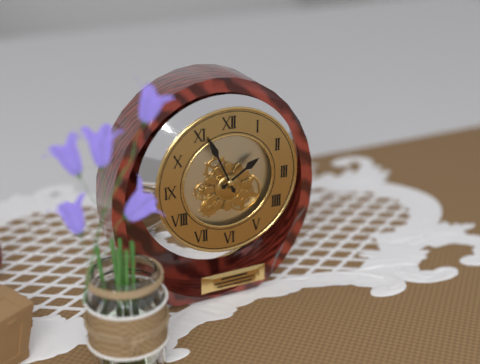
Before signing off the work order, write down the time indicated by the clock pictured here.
1:56
